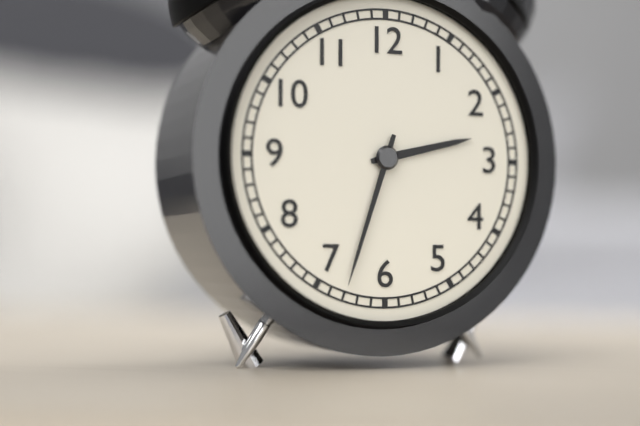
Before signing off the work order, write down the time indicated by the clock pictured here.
2:33
